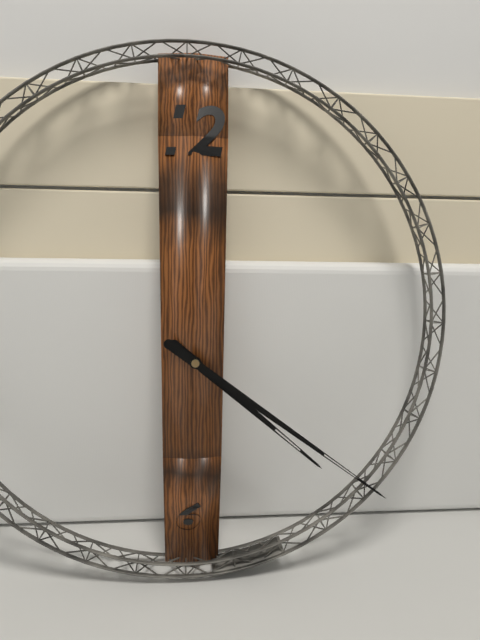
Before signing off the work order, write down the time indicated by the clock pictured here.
4:21
